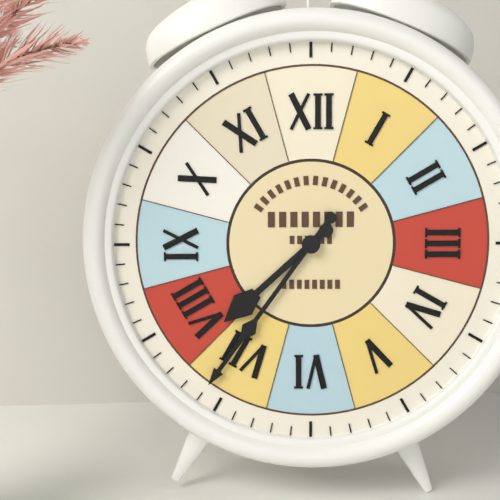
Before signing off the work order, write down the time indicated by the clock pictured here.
7:36
